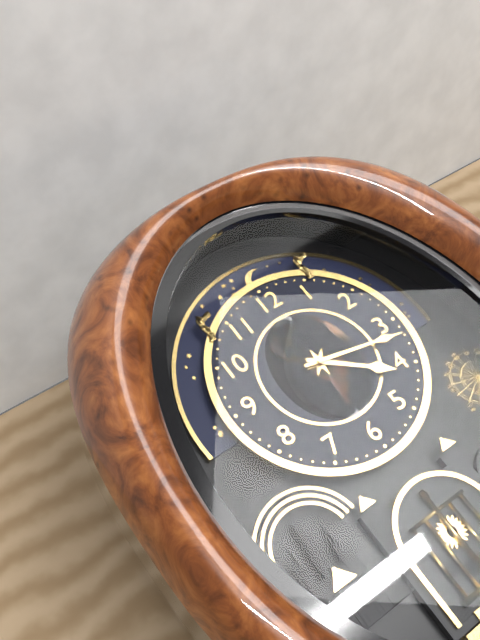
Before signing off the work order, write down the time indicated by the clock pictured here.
4:17
